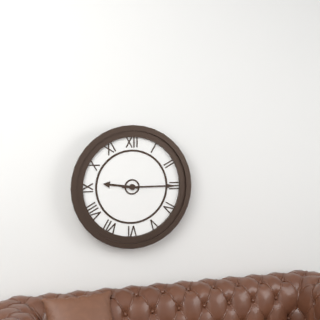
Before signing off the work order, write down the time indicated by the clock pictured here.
9:15
